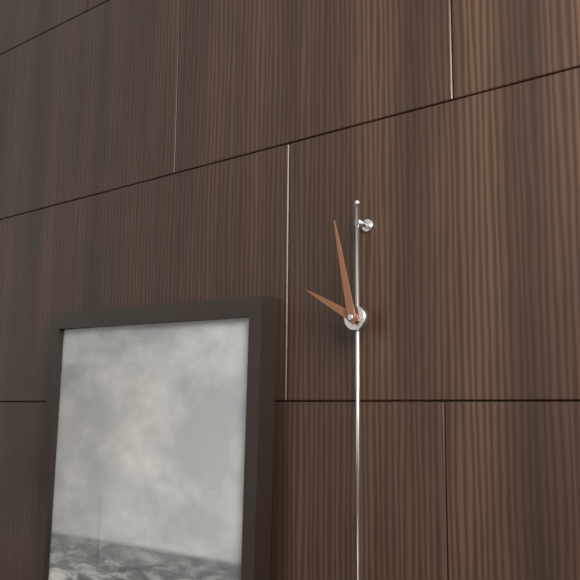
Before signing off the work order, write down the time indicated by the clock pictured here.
9:58
